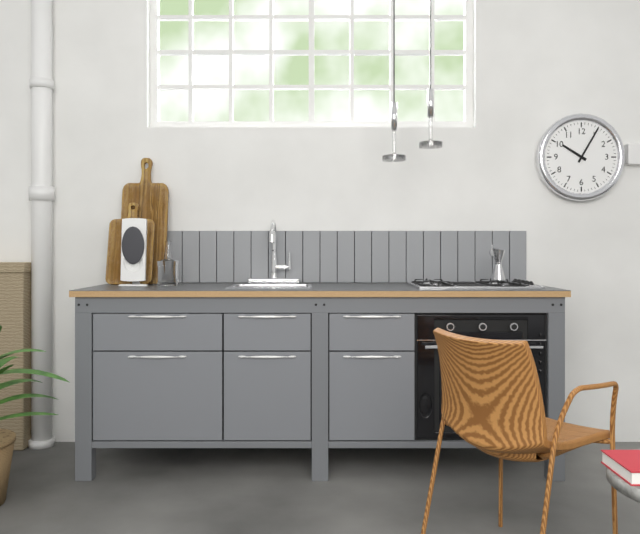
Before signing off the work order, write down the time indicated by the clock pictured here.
10:05
